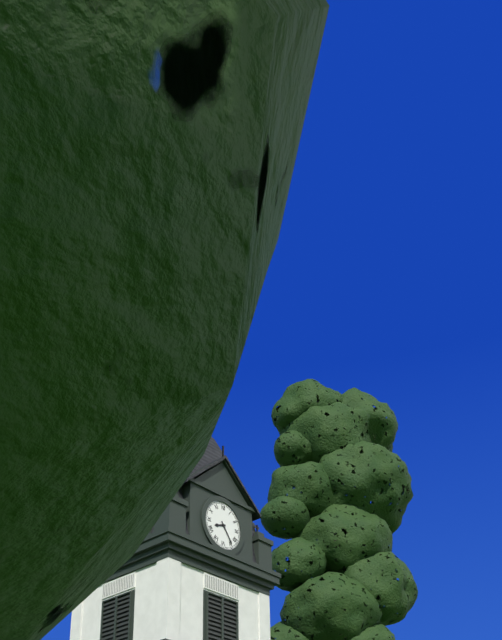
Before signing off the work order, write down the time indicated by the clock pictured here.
8:24
